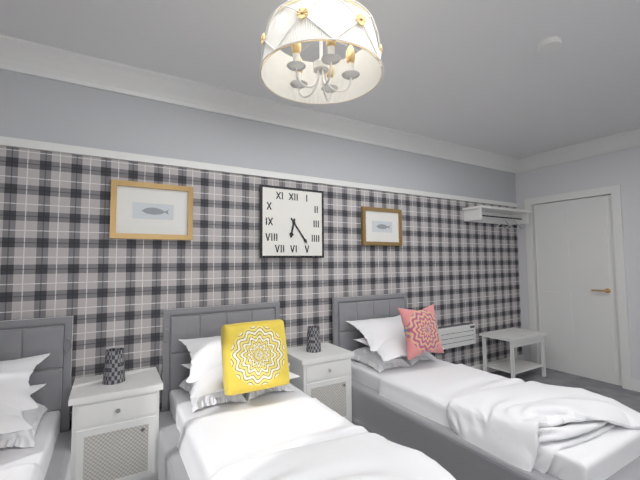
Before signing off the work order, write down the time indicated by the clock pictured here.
6:24
